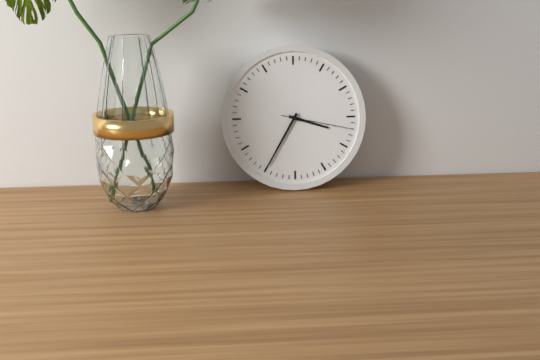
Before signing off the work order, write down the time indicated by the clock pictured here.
3:35:17
